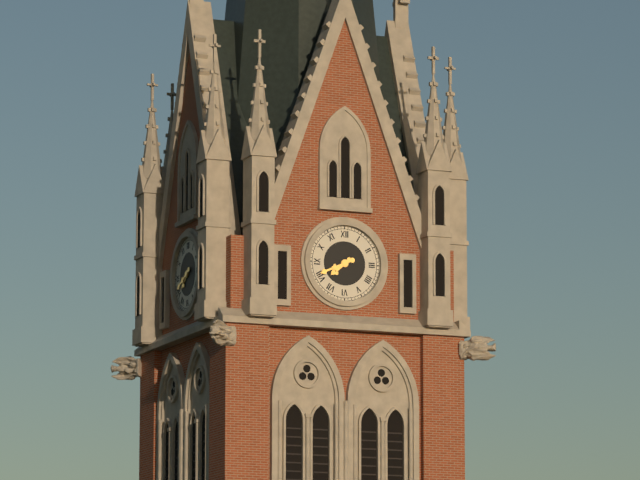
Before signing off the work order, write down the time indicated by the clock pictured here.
7:41
